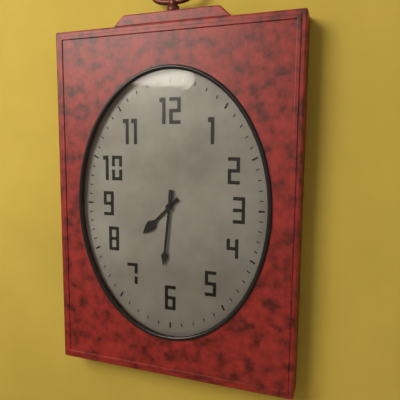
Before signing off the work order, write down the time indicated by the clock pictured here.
7:31
